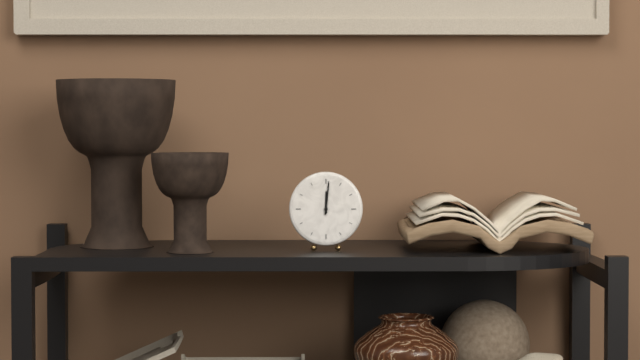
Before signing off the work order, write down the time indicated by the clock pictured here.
12:01
